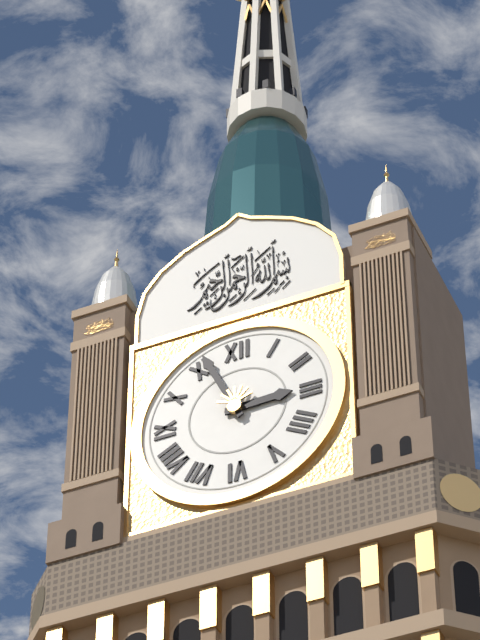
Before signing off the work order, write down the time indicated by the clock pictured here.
2:56
